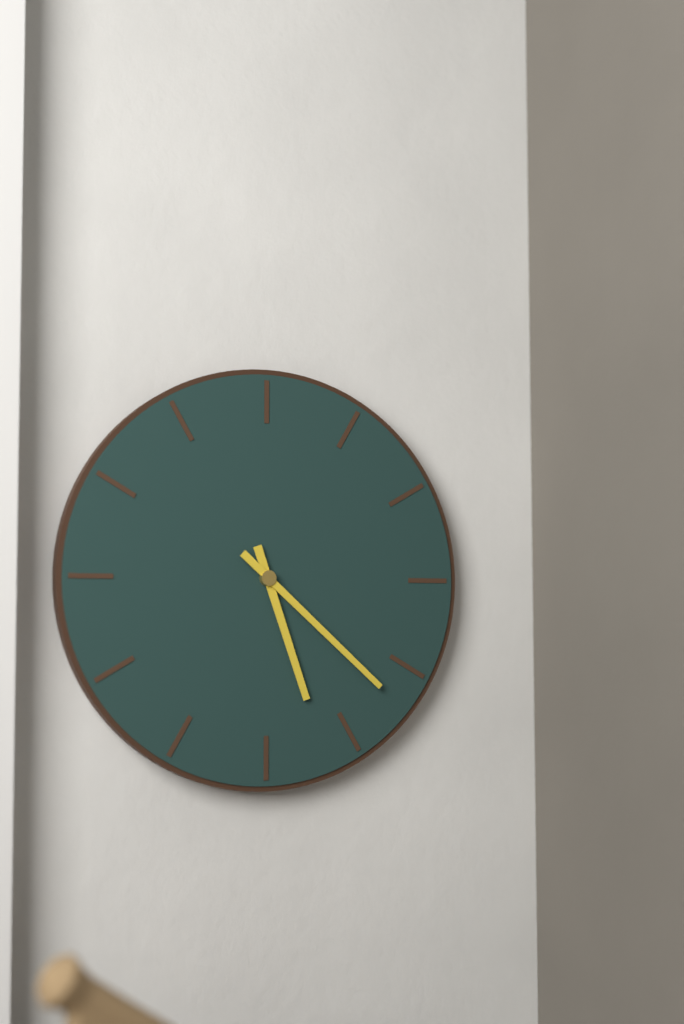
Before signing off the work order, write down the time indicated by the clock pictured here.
5:22
